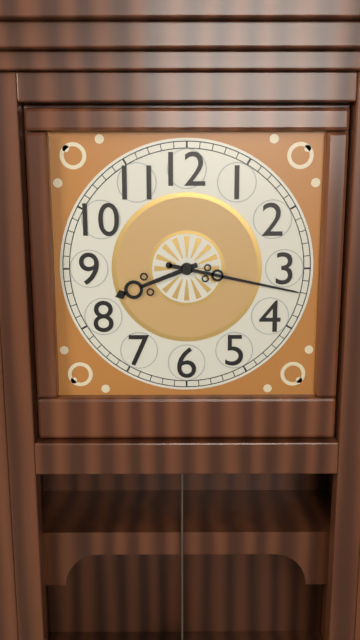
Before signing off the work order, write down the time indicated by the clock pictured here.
8:17
